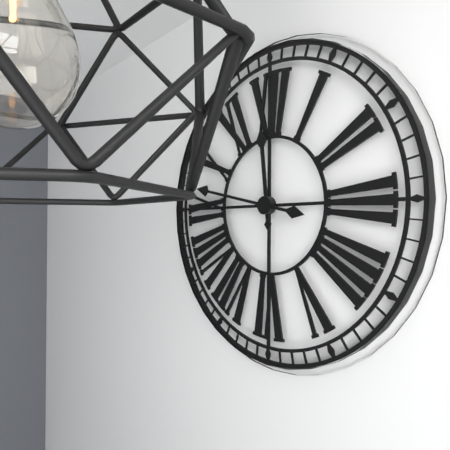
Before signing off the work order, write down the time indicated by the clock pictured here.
11:47
